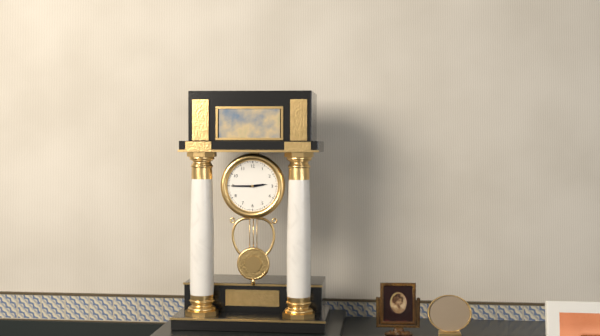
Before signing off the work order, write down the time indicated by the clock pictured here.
2:45
